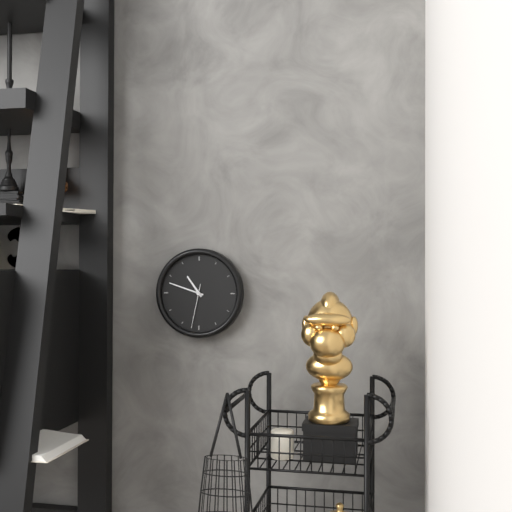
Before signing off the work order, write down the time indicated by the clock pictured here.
10:48
